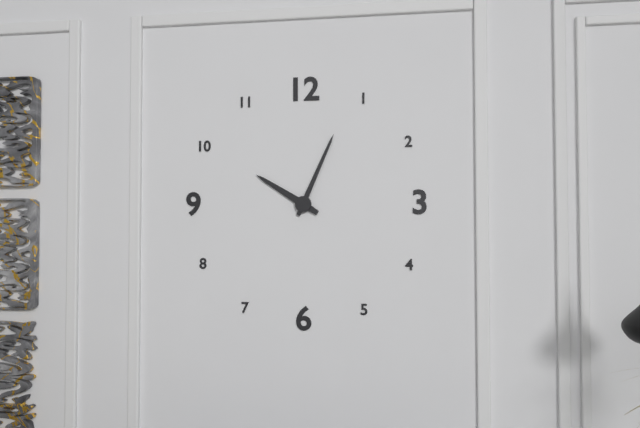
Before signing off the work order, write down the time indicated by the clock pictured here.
10:04
